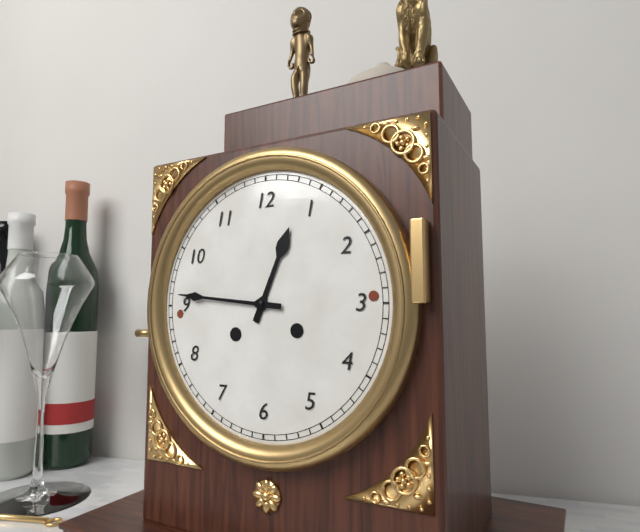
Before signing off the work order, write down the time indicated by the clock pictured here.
12:46
